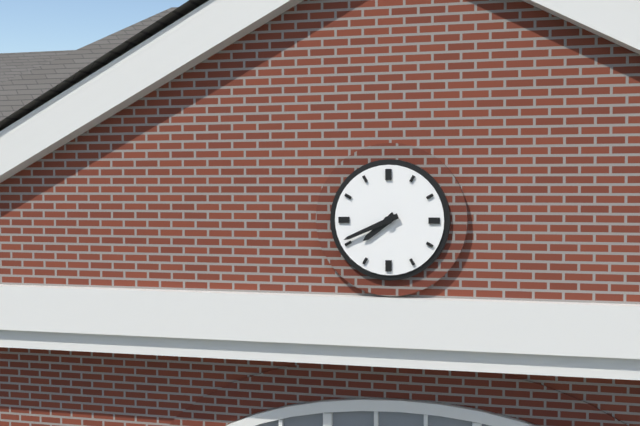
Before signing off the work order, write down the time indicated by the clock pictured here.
7:41
